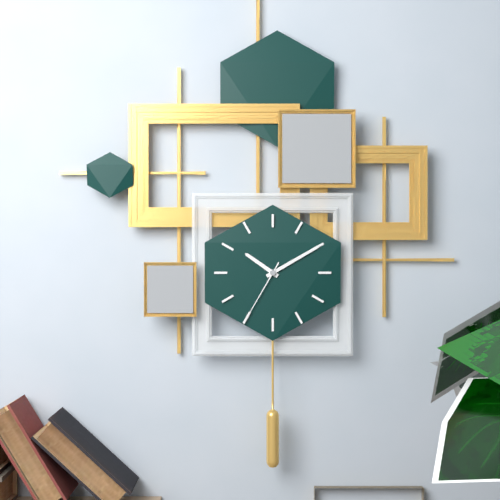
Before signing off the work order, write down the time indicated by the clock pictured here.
10:10:35
